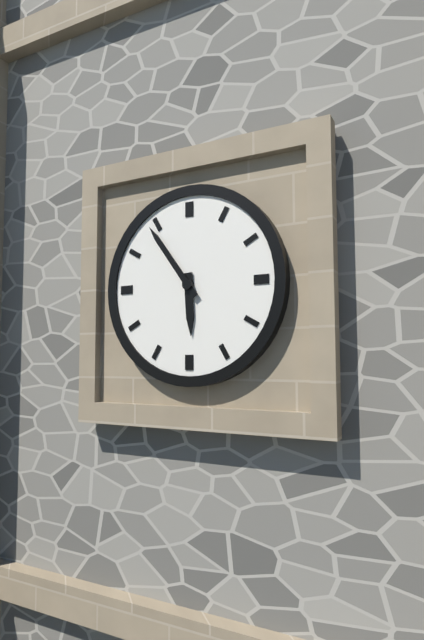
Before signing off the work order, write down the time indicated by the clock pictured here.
5:54
